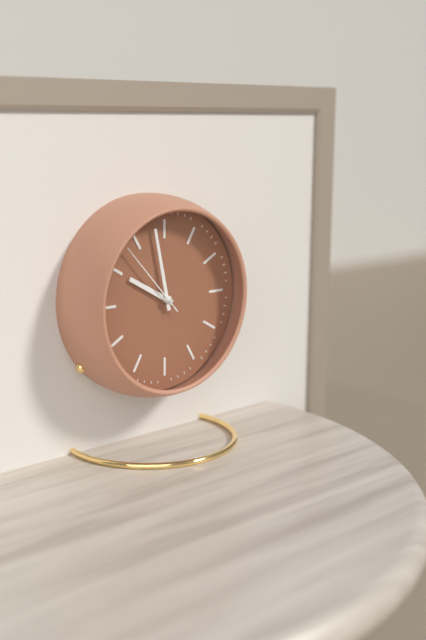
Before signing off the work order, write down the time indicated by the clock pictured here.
9:58:53
